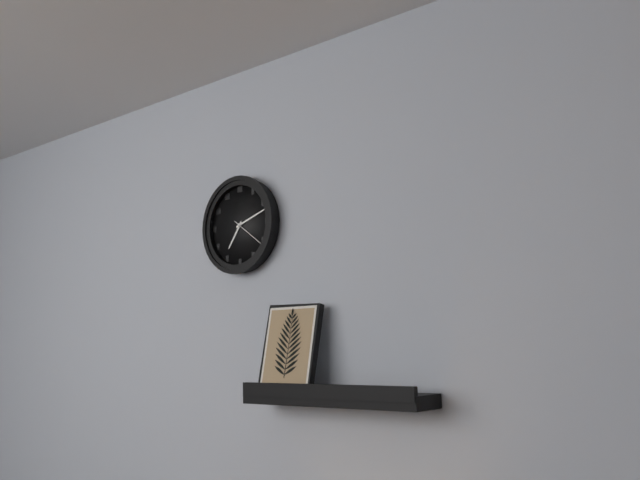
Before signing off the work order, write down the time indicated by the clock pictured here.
7:12
